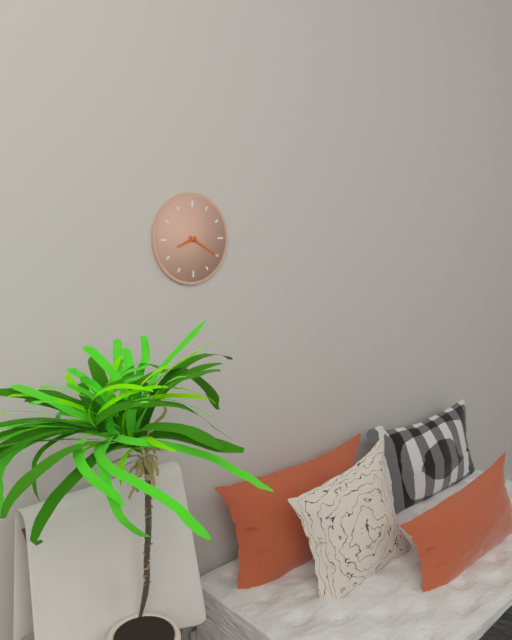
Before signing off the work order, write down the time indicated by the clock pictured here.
8:20
